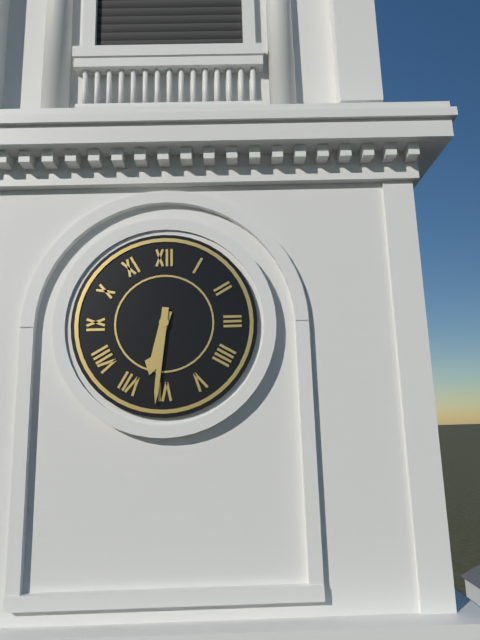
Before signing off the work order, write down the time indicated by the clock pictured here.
6:31
